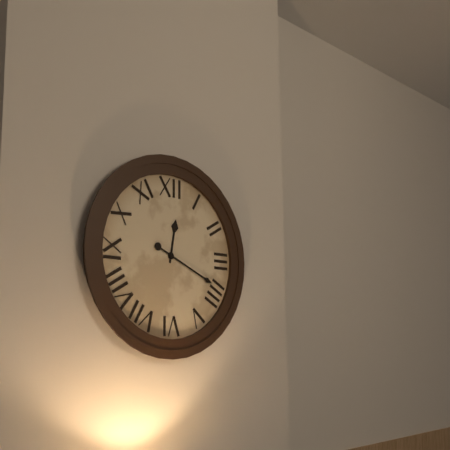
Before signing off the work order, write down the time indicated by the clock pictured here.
12:19
